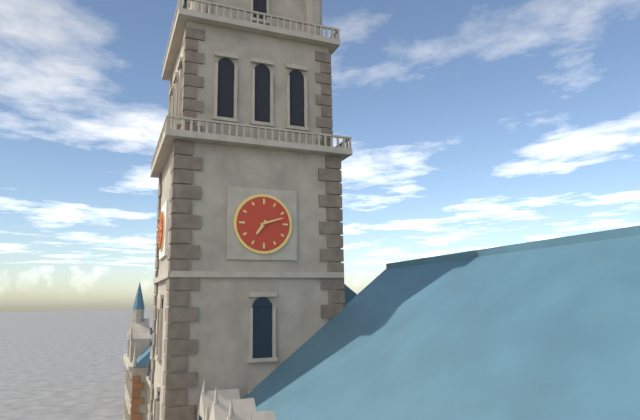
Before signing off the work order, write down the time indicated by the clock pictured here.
7:12
